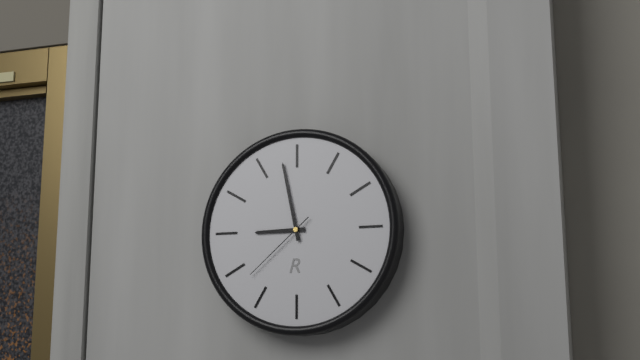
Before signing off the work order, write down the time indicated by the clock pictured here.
8:58:38
